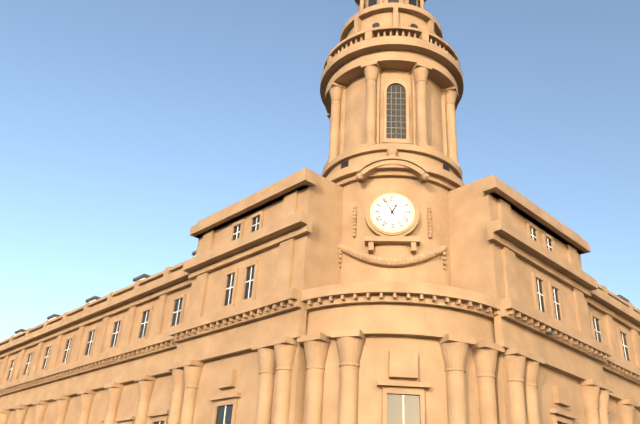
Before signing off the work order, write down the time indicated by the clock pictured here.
12:55
